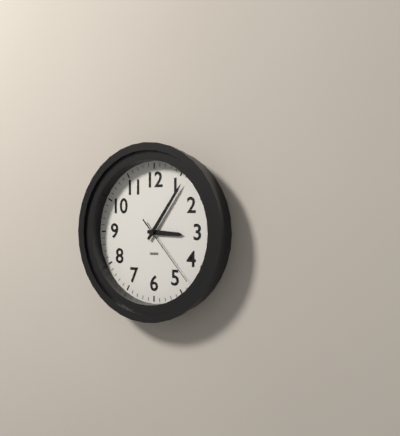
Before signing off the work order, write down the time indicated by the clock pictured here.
3:06:23
